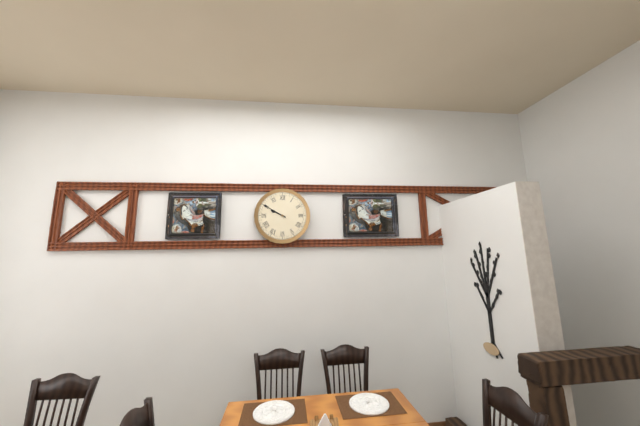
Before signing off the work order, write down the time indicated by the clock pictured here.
9:50
